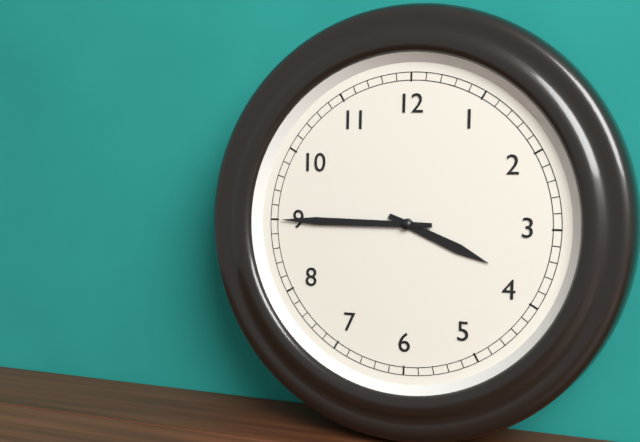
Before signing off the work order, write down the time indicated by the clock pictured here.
3:45
